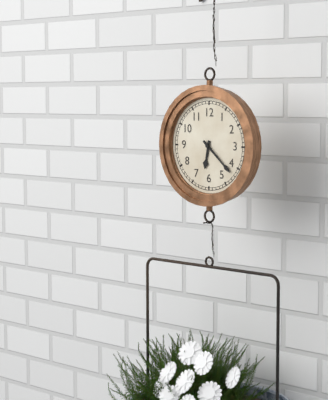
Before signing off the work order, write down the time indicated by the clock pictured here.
6:22
